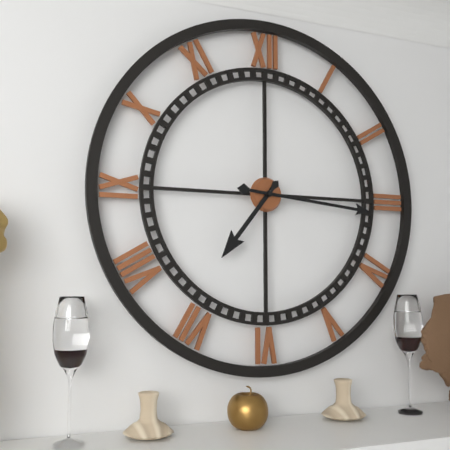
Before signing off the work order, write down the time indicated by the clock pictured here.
7:16
